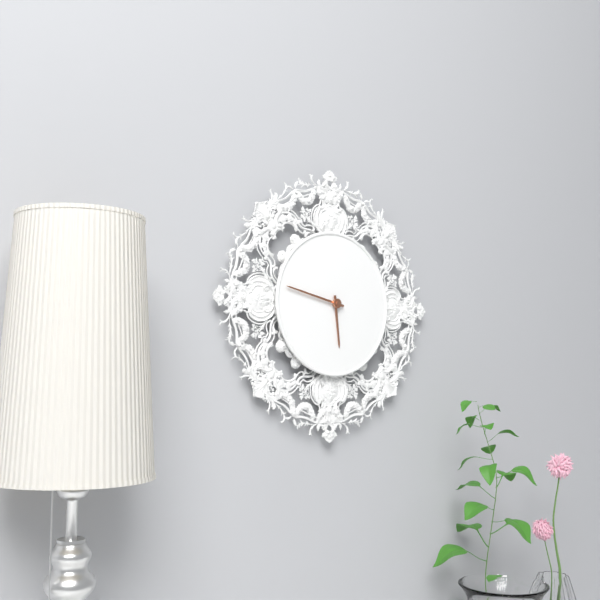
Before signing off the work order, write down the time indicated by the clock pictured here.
5:47
